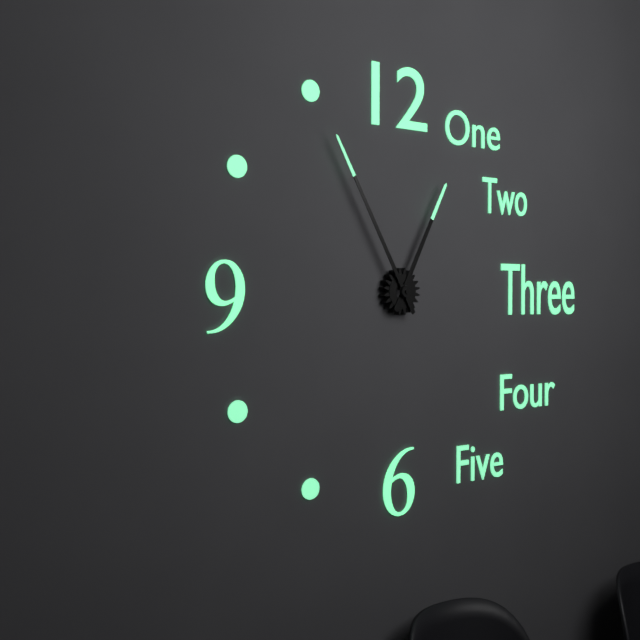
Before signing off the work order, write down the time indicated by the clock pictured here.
12:55
